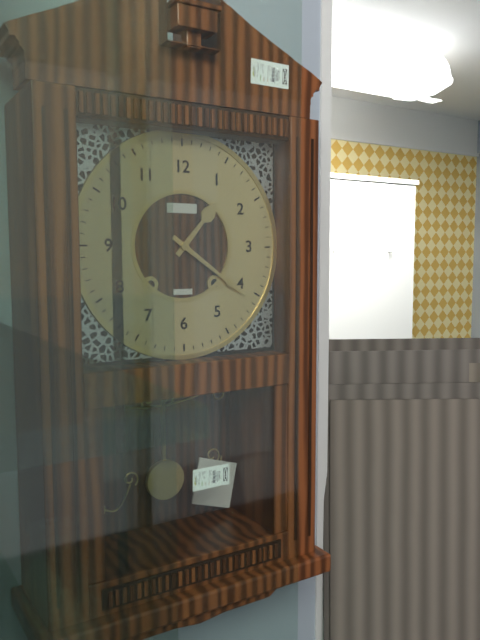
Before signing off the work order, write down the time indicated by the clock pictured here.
1:21
